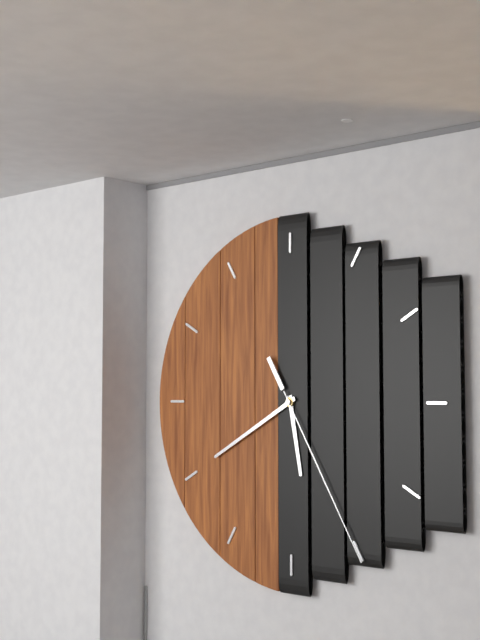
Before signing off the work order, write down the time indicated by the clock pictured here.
5:40:25
